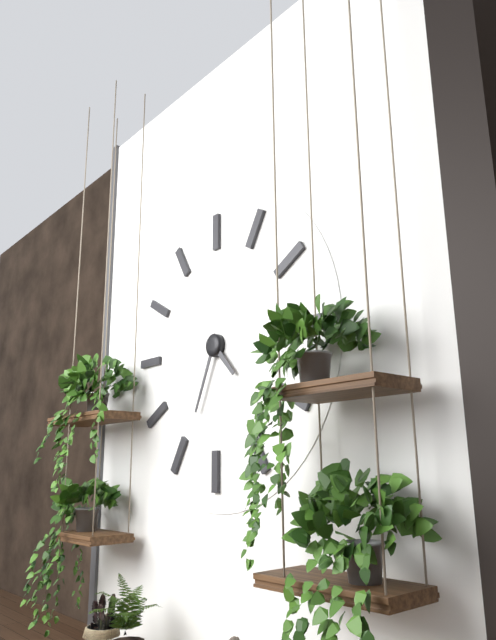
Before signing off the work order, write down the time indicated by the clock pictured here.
4:34
